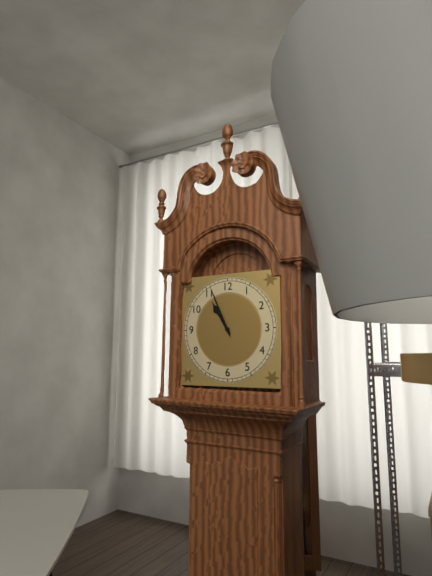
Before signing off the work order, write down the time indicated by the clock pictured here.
10:56
